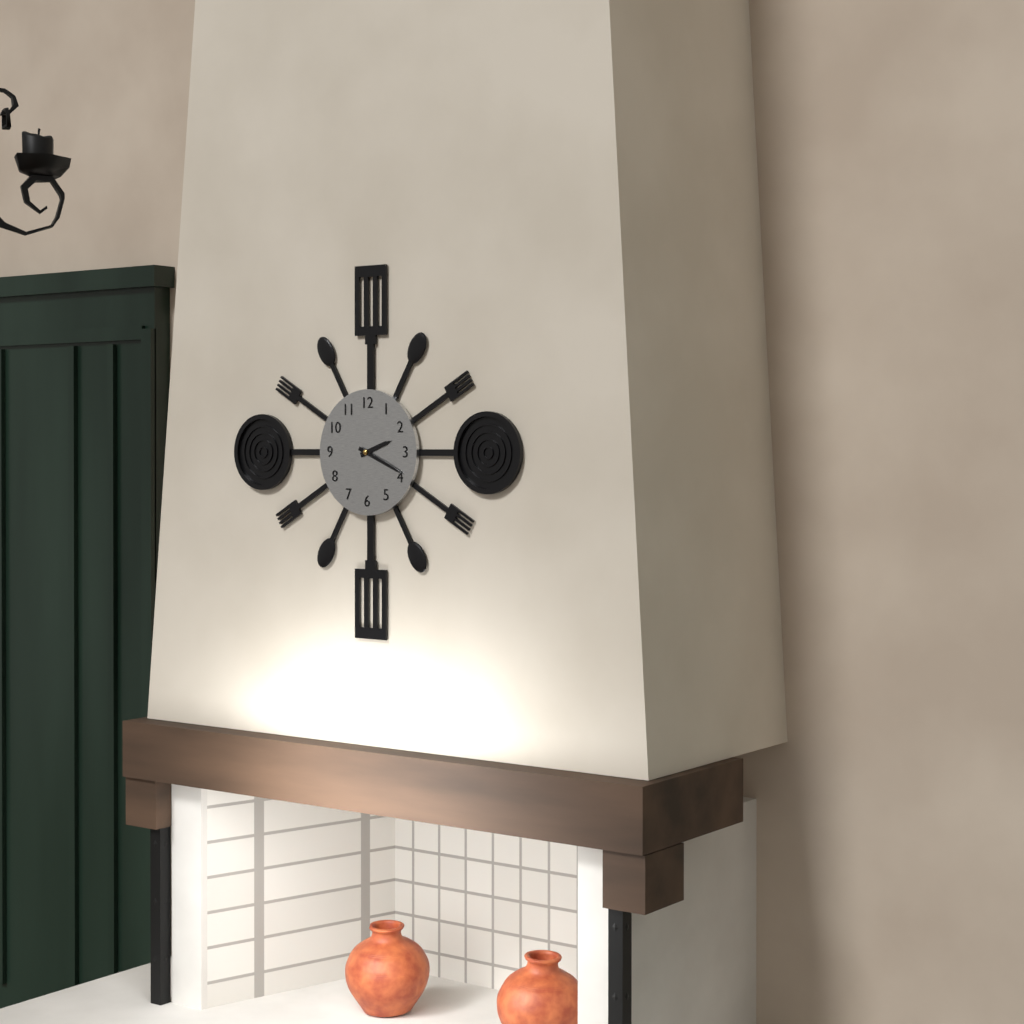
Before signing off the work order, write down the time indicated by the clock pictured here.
2:19
